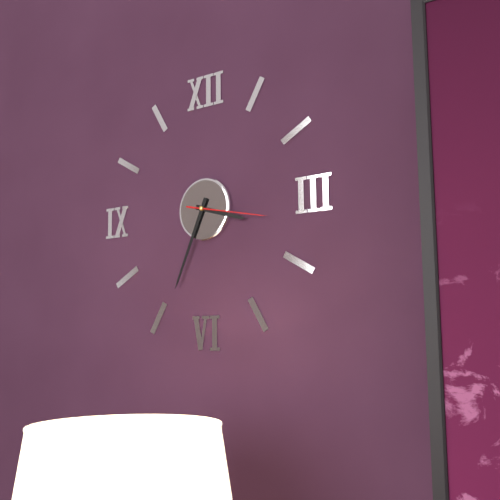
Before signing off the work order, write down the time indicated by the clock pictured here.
3:34:17
